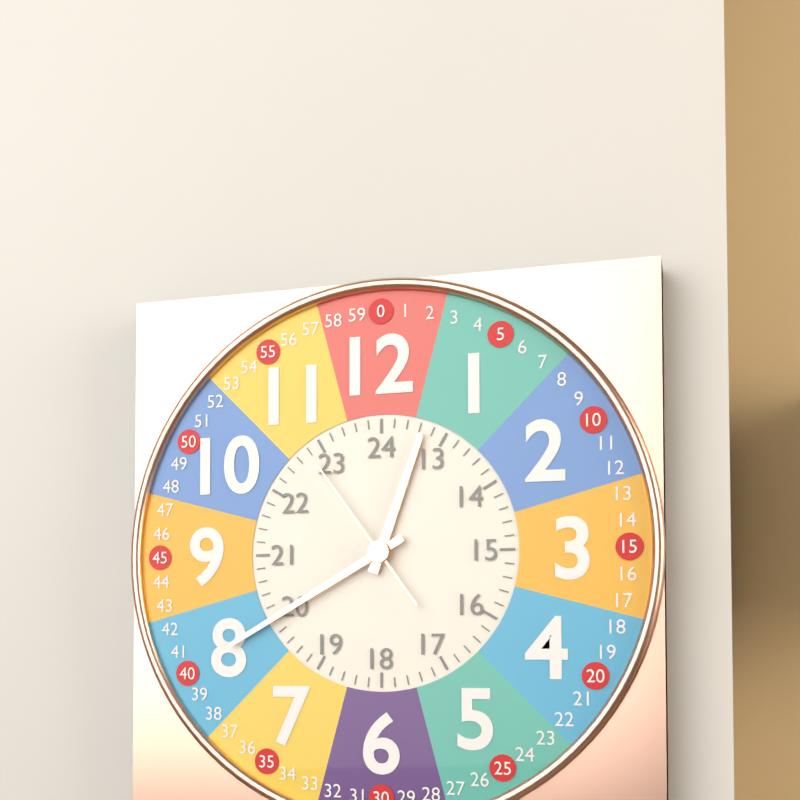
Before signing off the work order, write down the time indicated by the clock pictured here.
12:40:54
